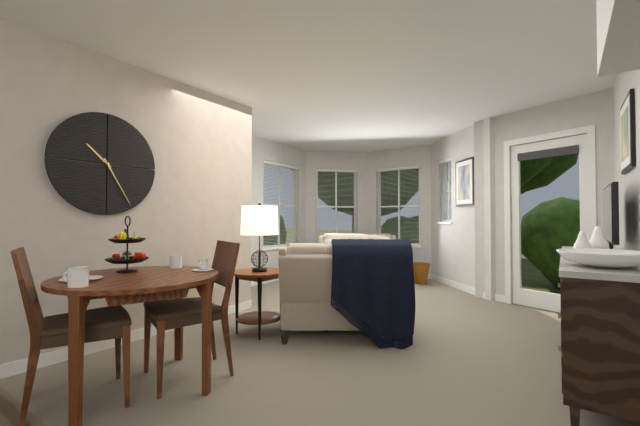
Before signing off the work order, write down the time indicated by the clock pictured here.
10:25
